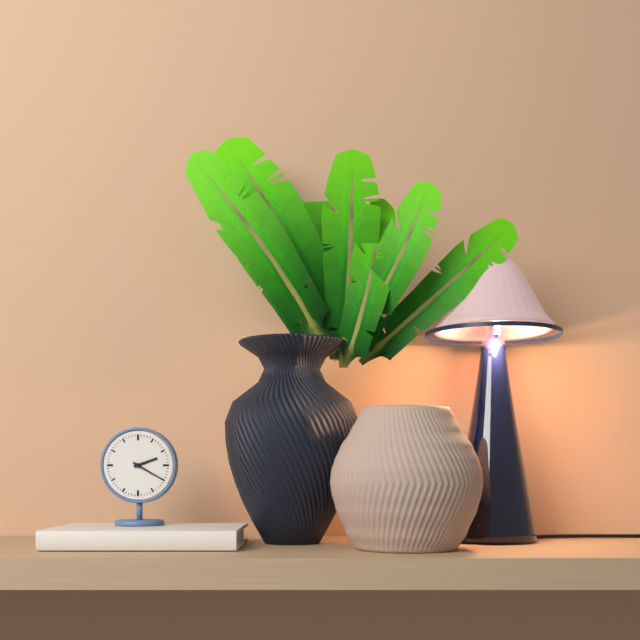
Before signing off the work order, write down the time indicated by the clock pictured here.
2:20
